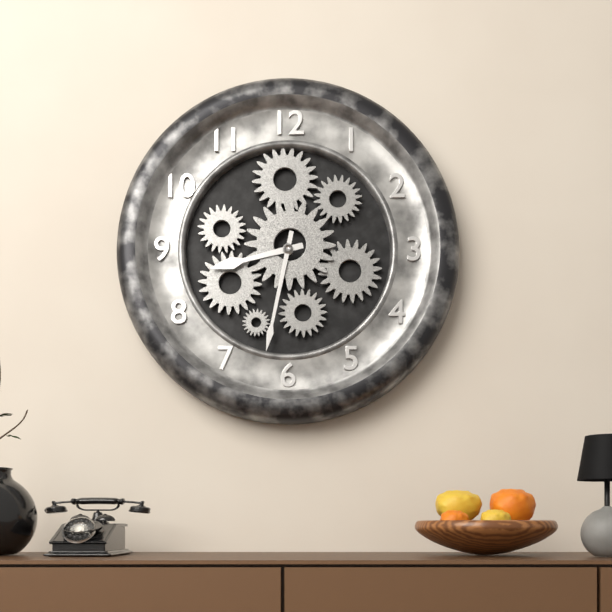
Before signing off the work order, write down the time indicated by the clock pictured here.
8:32
